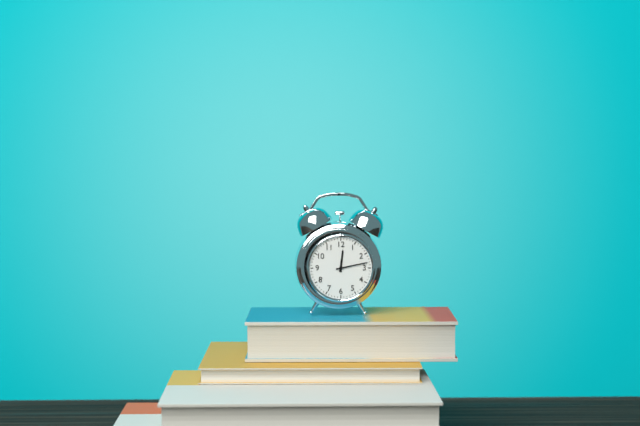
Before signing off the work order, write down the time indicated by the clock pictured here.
12:13
